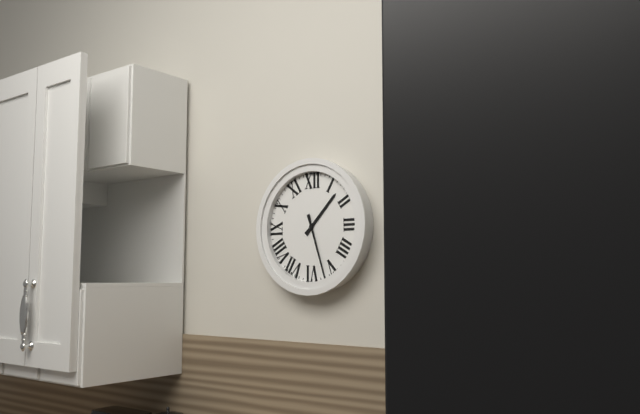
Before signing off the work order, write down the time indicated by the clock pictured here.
1:27
